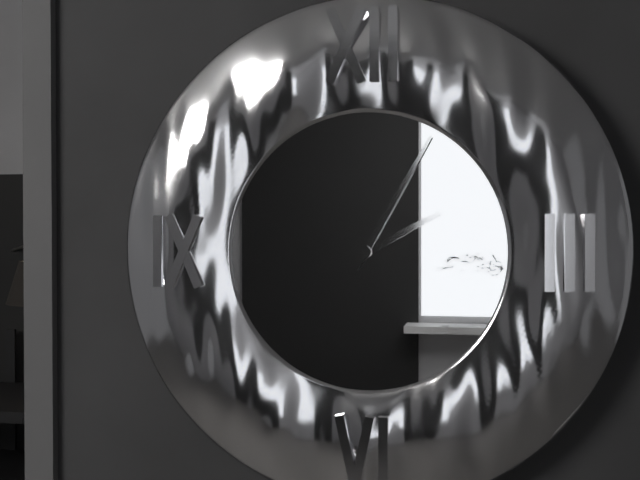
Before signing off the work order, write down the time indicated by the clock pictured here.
2:05
